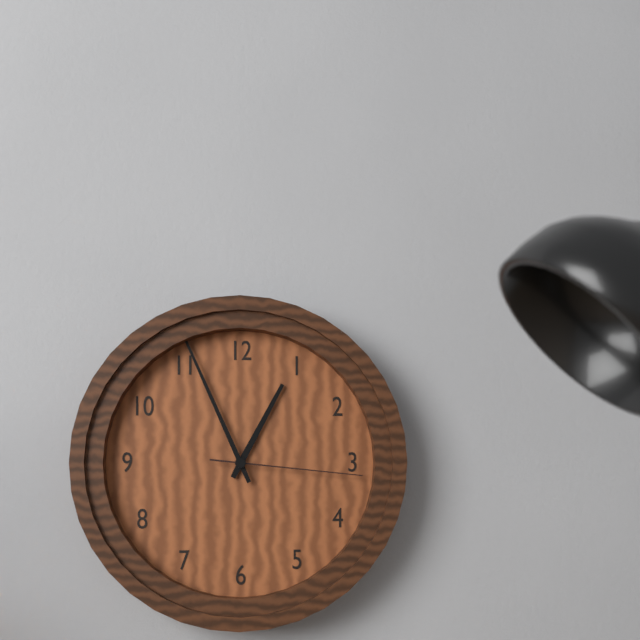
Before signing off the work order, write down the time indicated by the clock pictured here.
12:56:16
